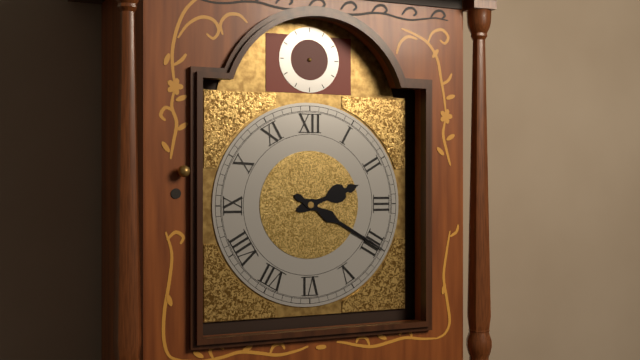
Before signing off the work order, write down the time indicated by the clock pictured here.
2:20
